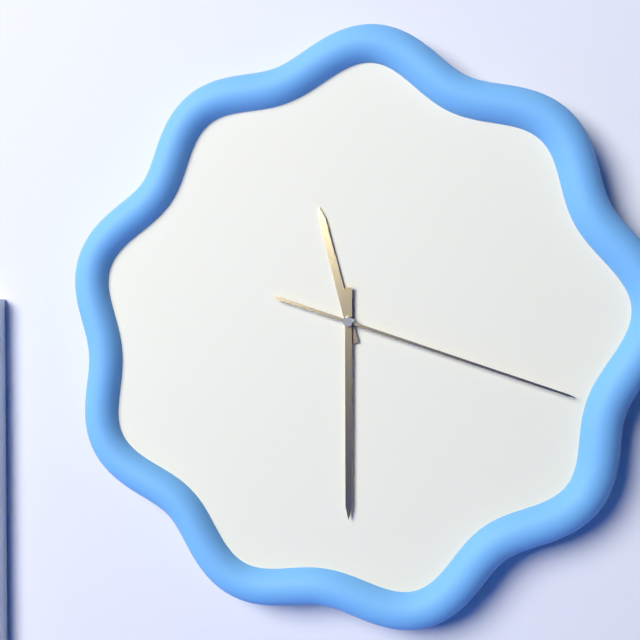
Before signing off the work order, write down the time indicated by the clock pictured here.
11:30:18
